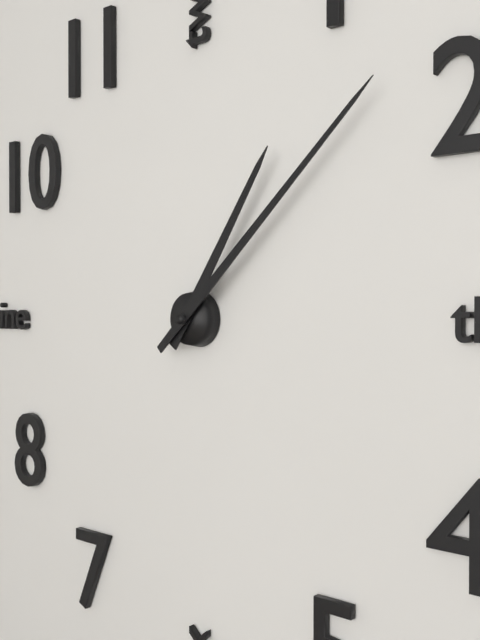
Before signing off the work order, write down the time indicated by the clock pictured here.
1:08
